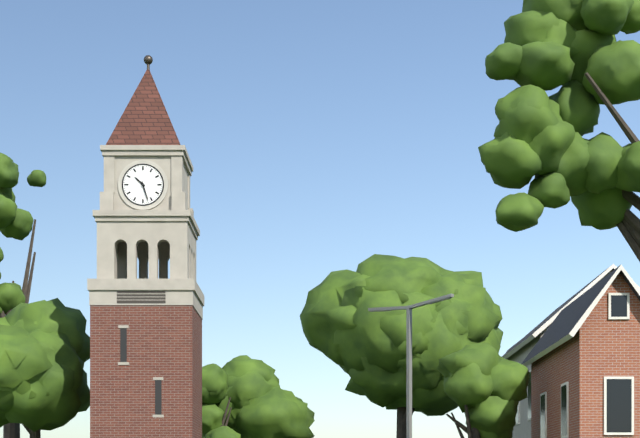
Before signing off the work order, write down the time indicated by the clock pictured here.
10:27
